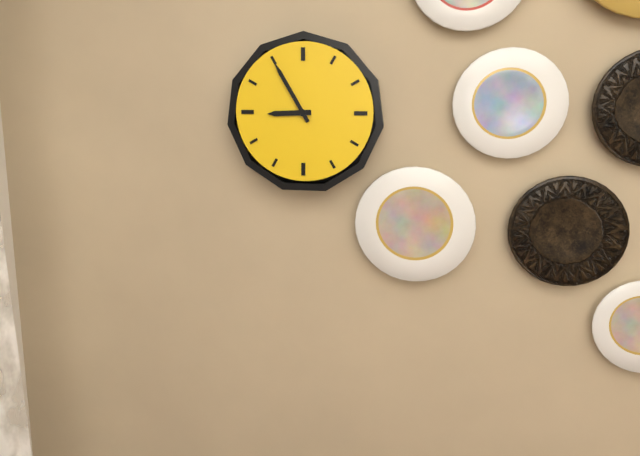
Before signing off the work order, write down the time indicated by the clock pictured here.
8:55
